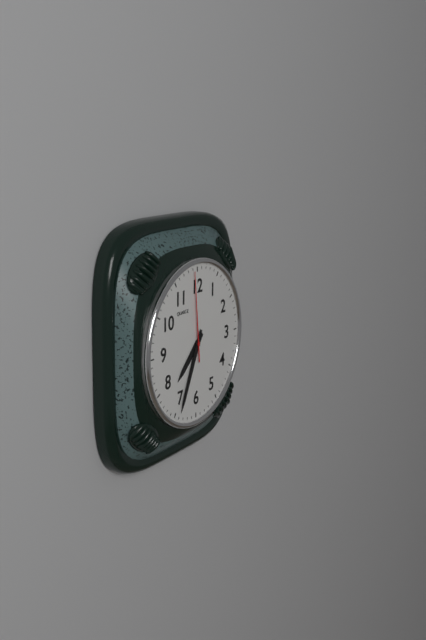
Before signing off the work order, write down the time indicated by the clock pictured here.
7:34:59
